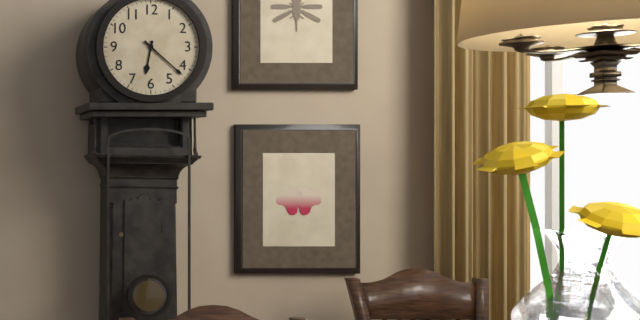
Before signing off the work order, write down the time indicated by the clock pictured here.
6:22
